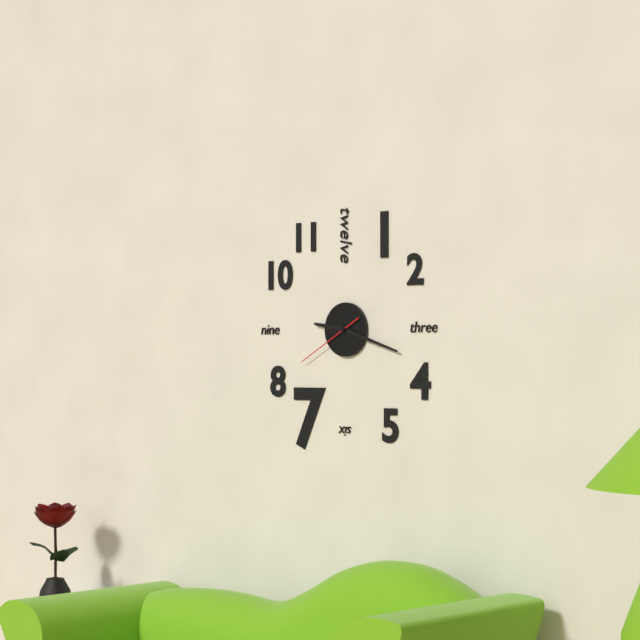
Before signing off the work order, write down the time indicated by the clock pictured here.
9:18:40
